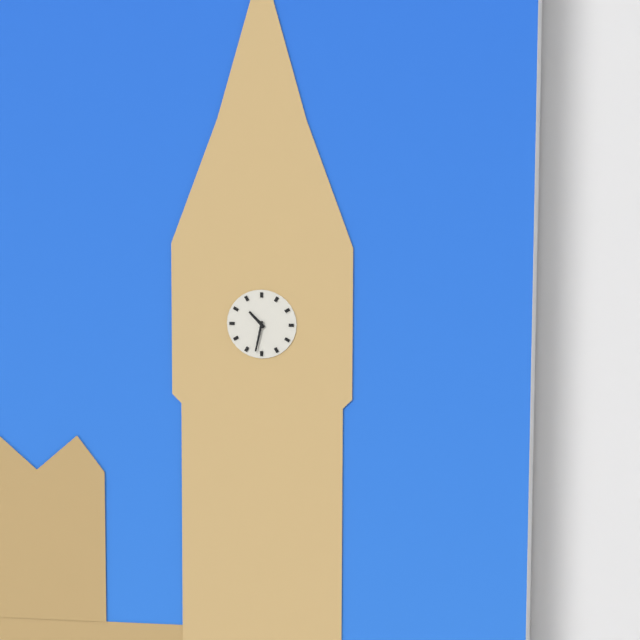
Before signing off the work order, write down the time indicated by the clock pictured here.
10:32
